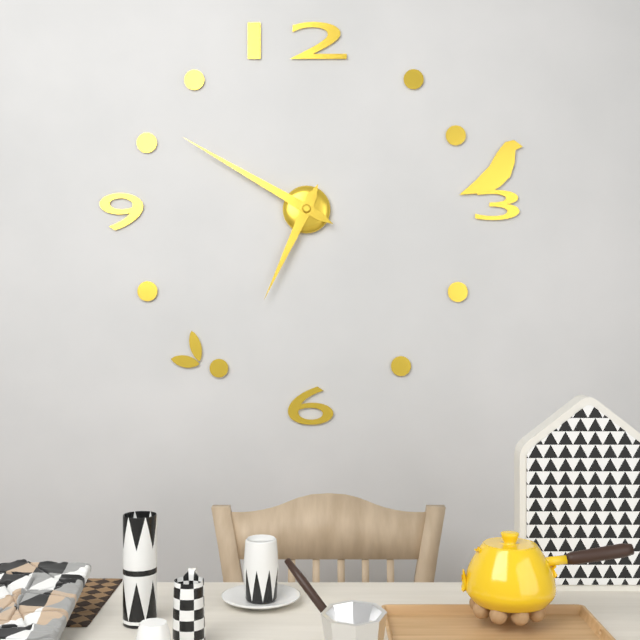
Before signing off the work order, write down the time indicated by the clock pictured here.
6:50
